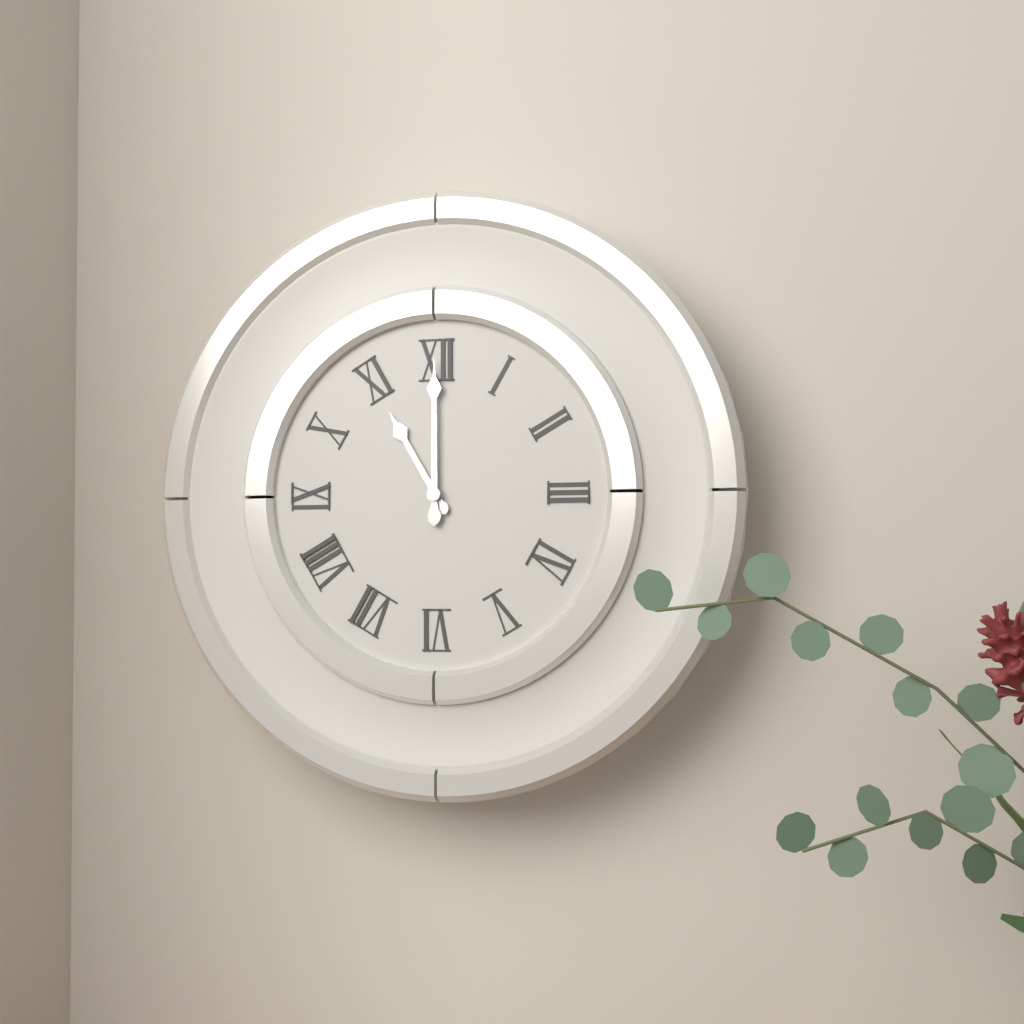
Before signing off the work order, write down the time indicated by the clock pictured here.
11:00
